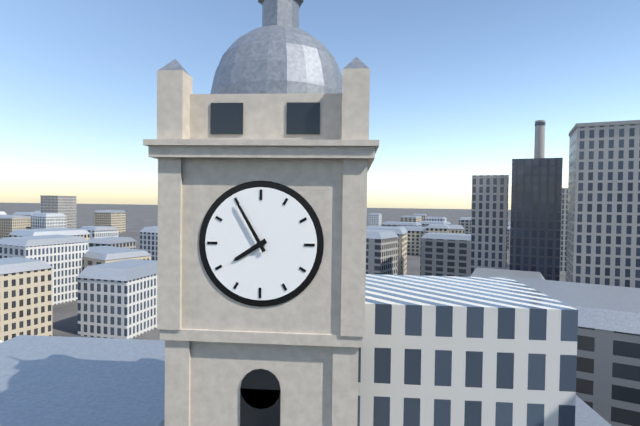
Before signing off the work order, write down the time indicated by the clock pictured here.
7:55
